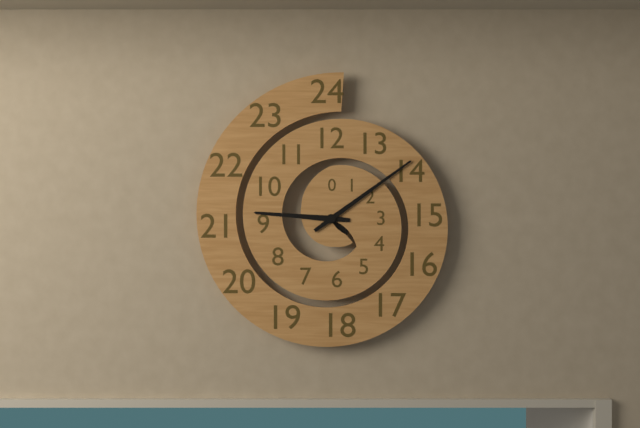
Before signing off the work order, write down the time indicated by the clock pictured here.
9:09
